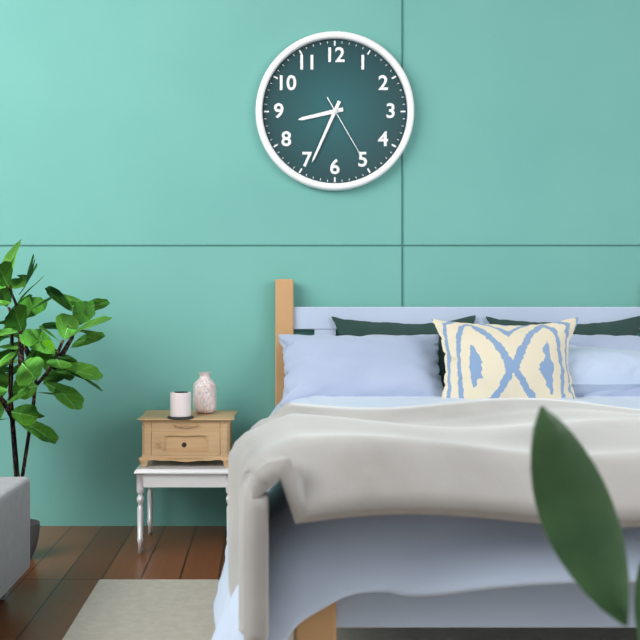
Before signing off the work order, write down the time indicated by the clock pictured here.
8:34:25
